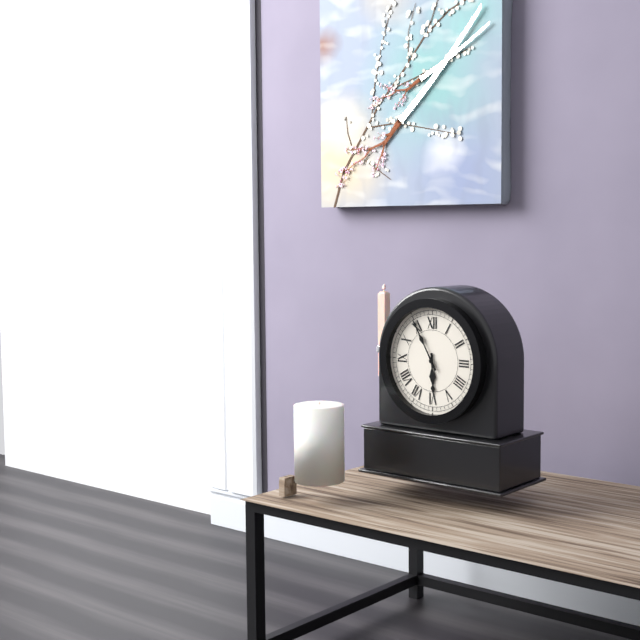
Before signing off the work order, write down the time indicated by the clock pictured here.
5:55
